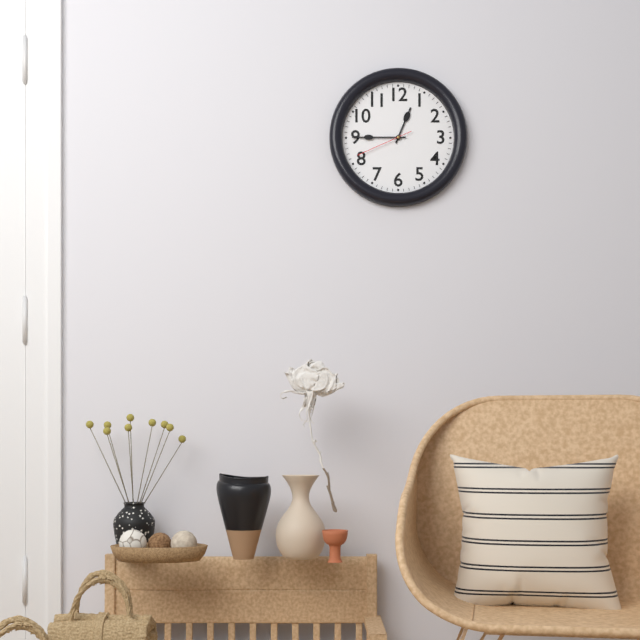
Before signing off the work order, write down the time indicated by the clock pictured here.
12:45:41
